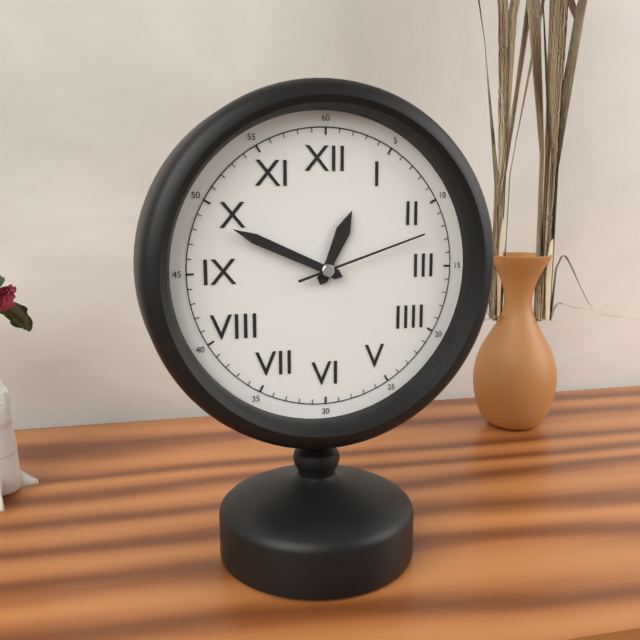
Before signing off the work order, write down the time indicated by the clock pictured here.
12:49:12
